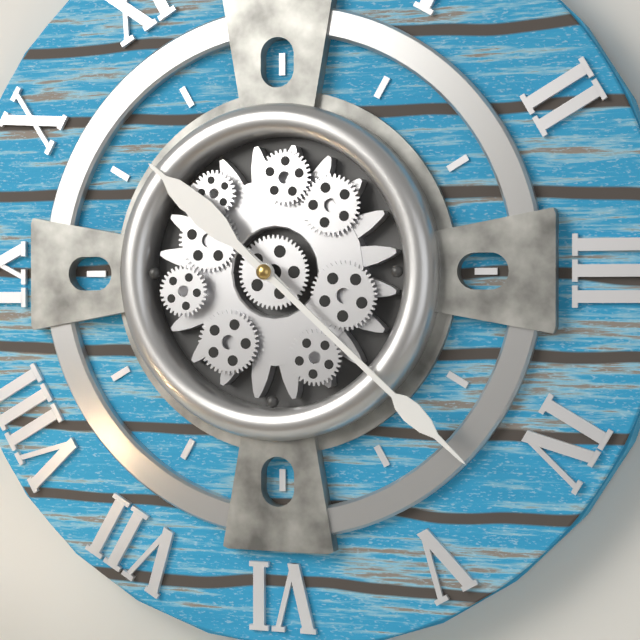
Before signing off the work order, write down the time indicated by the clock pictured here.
10:22
